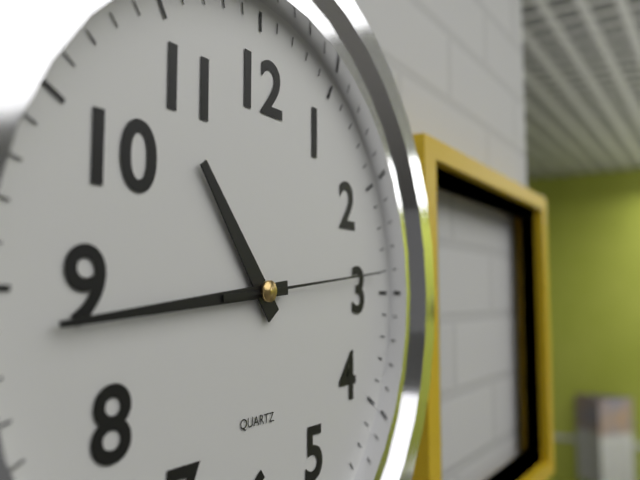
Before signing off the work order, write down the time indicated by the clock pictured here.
10:44:14
